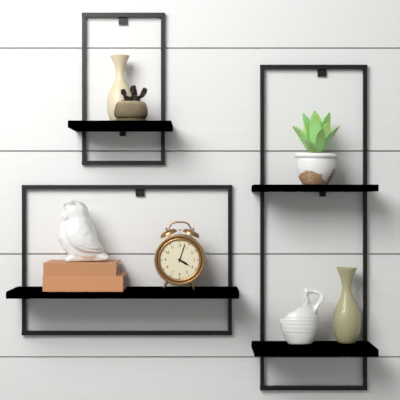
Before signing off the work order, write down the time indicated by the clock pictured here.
4:03
